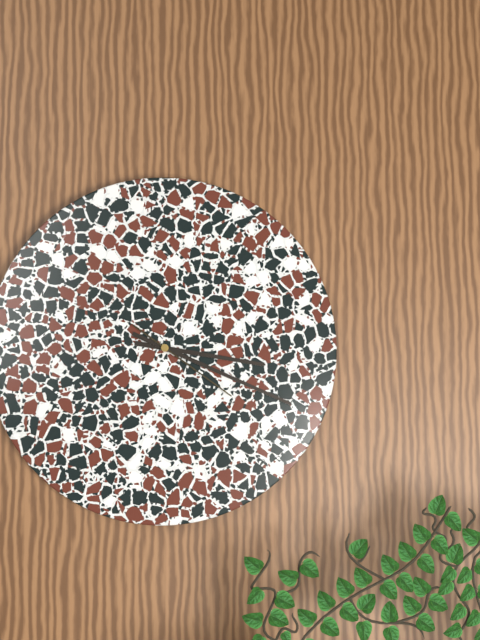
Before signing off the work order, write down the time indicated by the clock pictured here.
3:19:21
